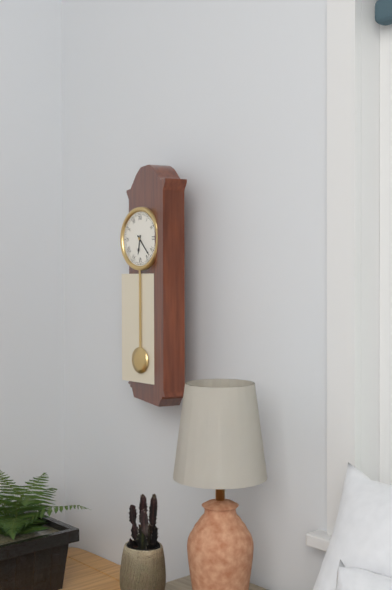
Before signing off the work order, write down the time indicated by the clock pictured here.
6:23
